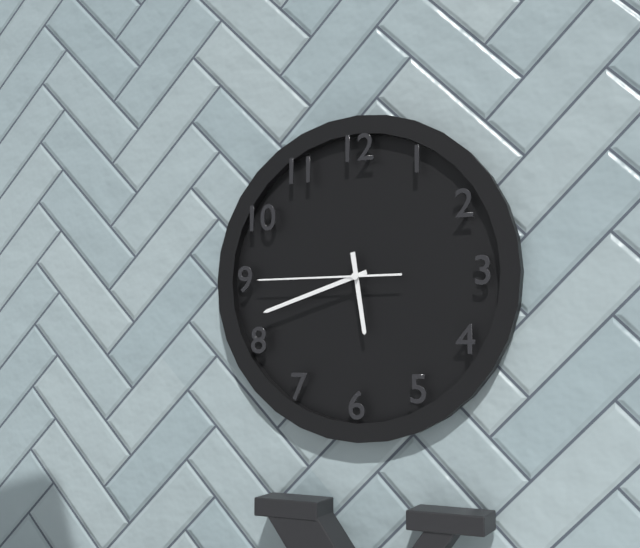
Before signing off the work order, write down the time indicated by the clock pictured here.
5:42:45
